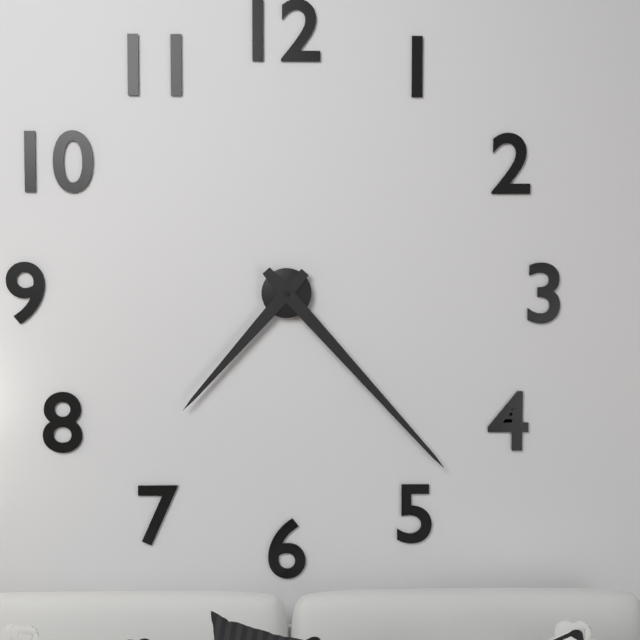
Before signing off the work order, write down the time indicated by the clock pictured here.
7:23
